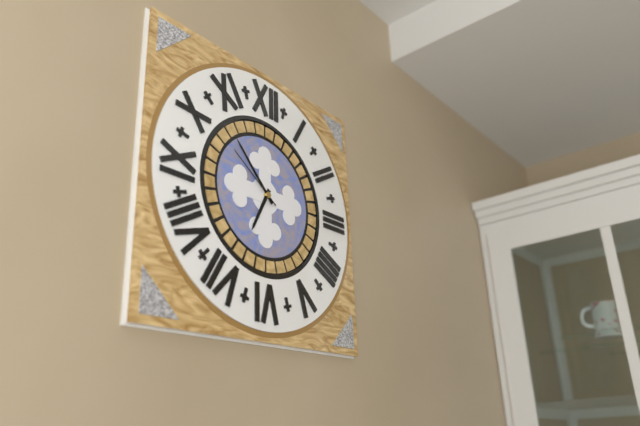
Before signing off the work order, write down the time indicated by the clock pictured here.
6:53:51
